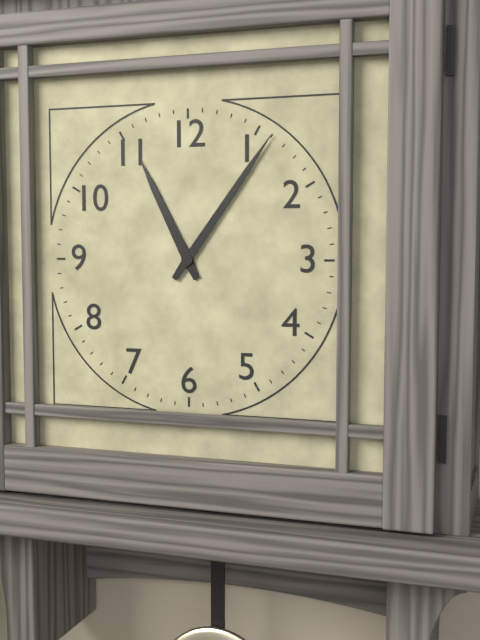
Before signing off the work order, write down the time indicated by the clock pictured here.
11:06
